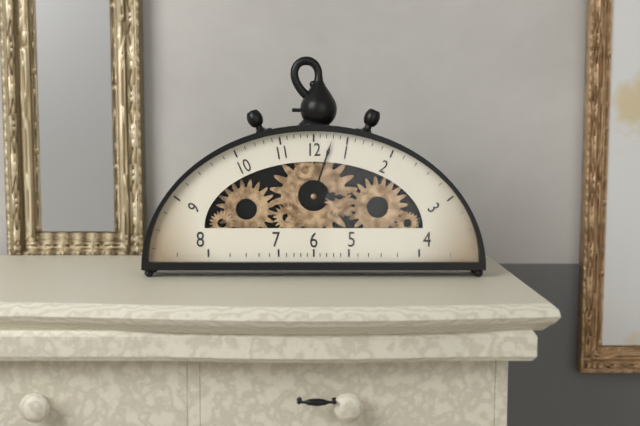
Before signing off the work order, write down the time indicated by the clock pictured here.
3:03
